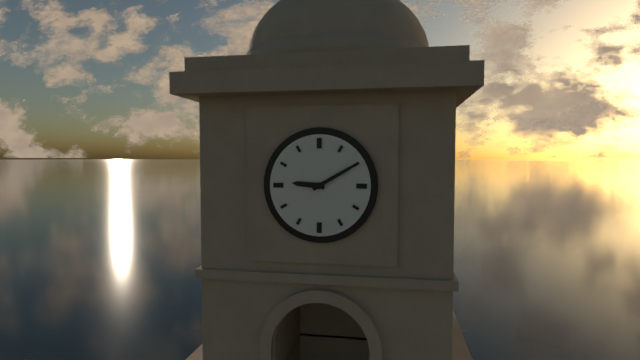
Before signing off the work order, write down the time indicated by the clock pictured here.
9:10
